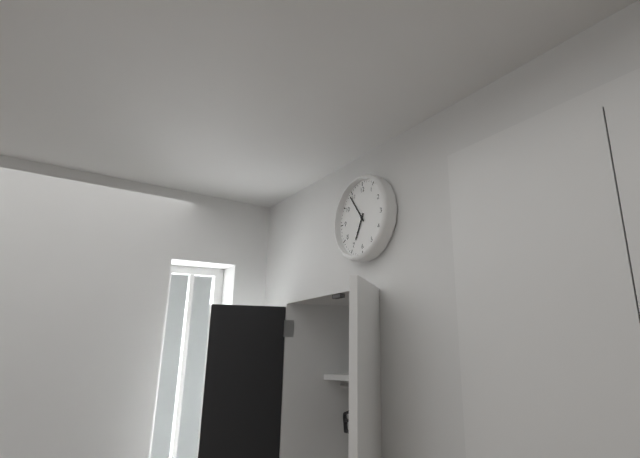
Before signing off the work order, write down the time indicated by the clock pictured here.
6:54
